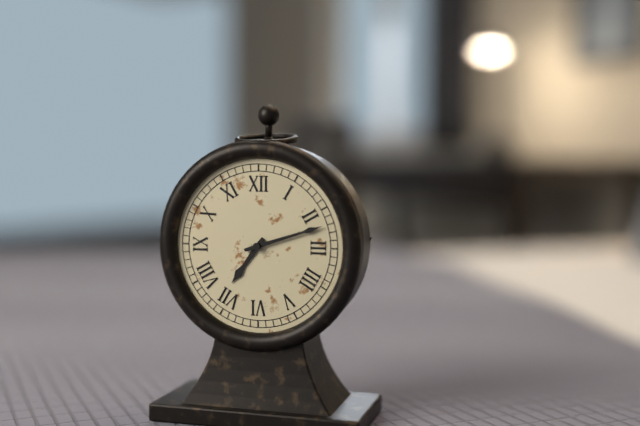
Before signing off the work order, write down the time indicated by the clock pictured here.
7:12
